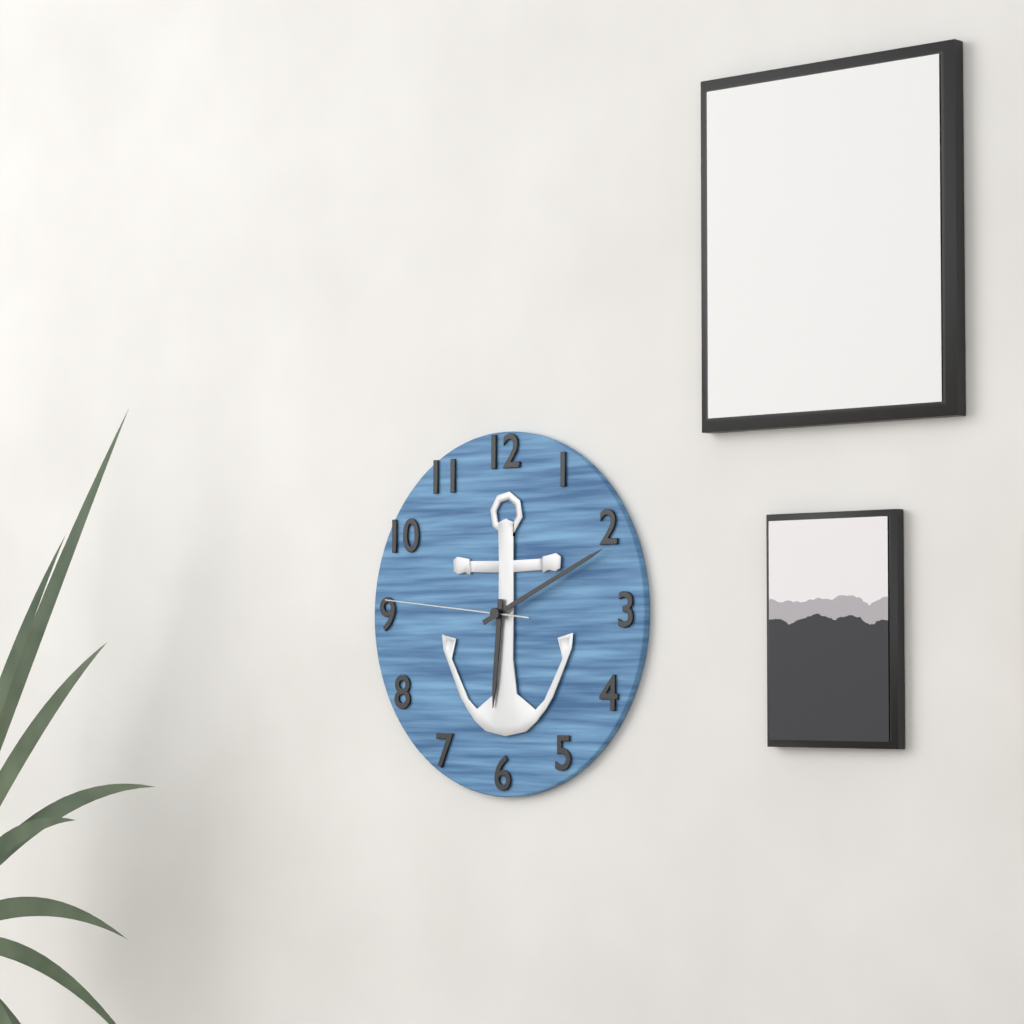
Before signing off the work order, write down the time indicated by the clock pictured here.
6:11:46
